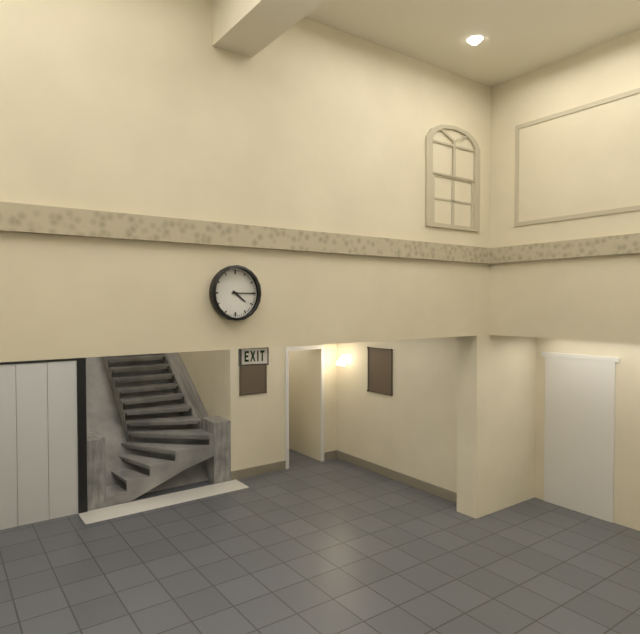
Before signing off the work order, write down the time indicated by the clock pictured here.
4:15
